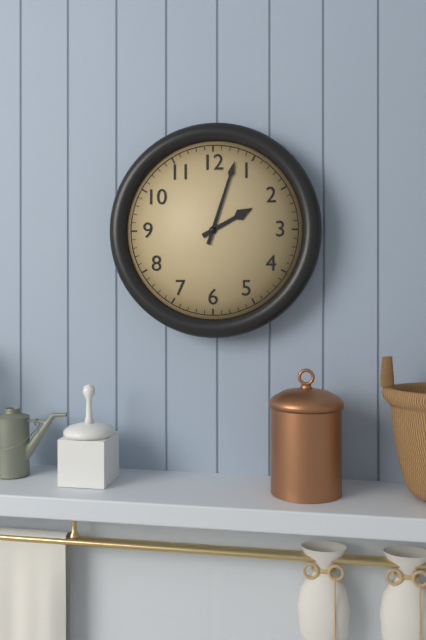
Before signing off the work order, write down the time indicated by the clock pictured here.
2:03
